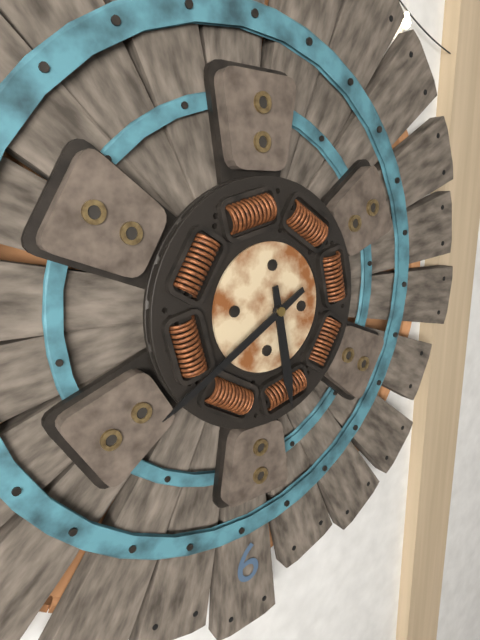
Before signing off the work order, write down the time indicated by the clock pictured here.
5:40
